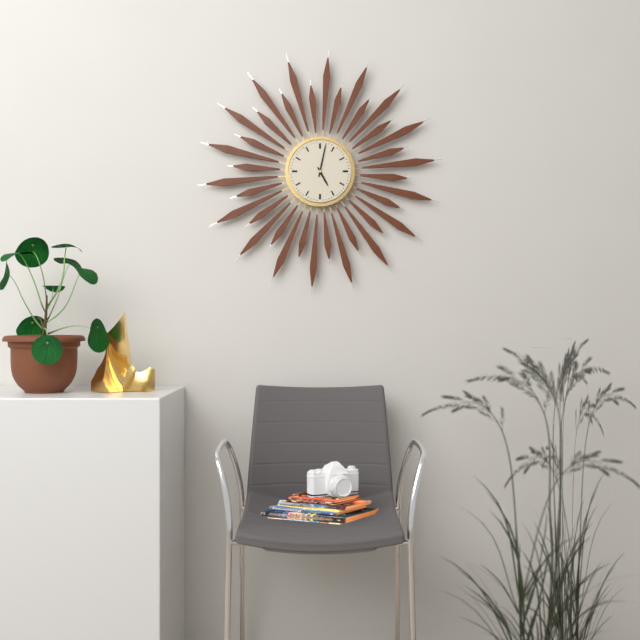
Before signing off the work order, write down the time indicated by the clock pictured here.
5:02
